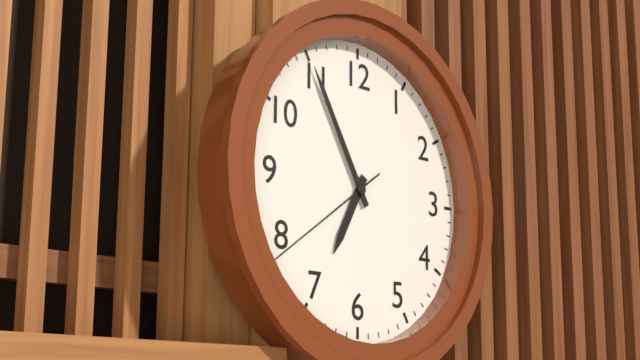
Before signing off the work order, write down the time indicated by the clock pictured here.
6:55:39
